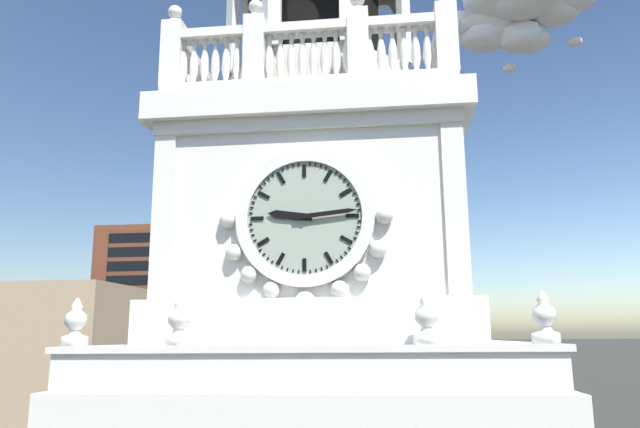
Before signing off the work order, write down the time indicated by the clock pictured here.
9:14
